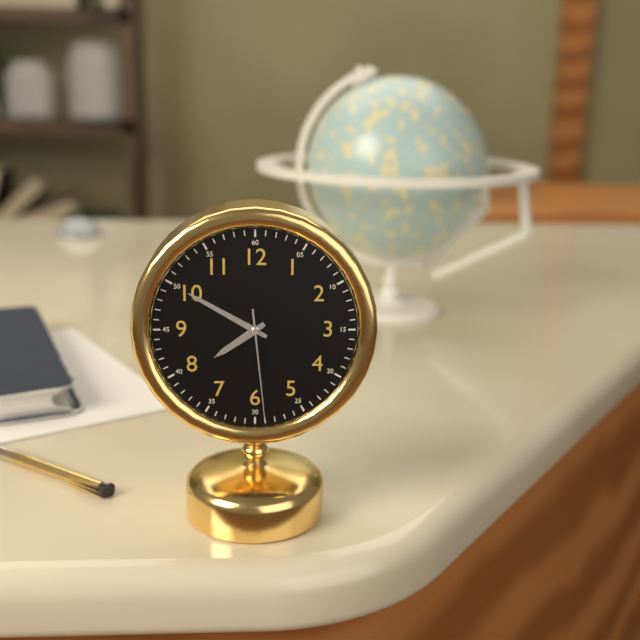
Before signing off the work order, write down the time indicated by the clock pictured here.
7:50:29
